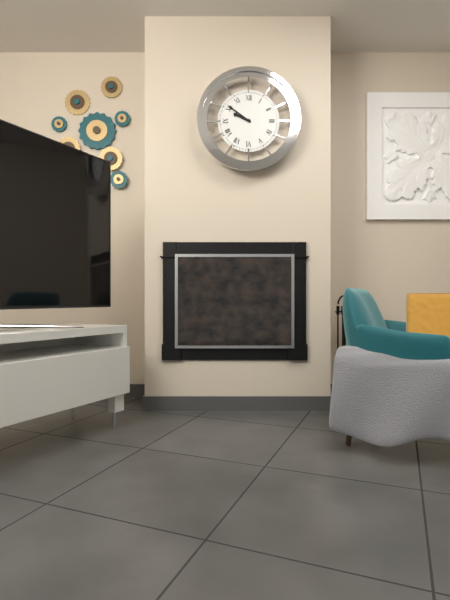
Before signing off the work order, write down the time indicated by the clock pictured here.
9:51
